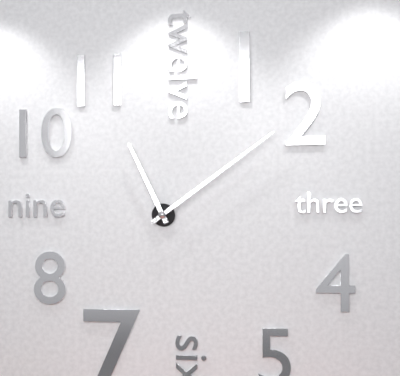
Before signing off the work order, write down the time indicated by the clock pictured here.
11:09
